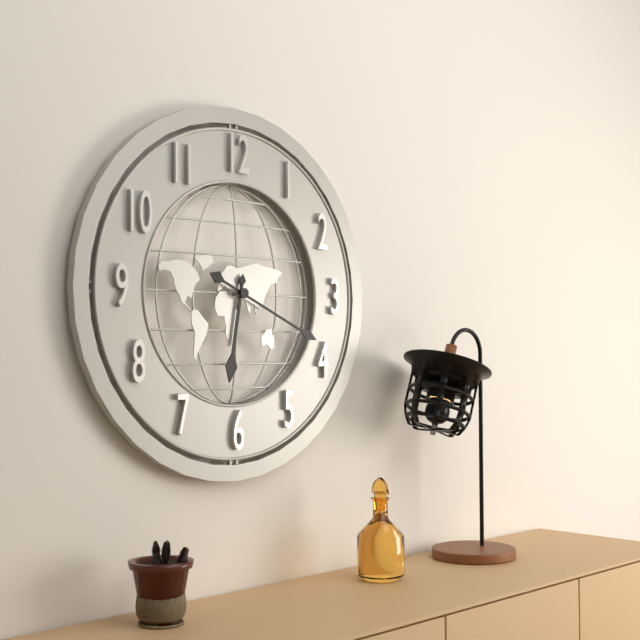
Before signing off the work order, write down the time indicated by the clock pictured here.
6:19
